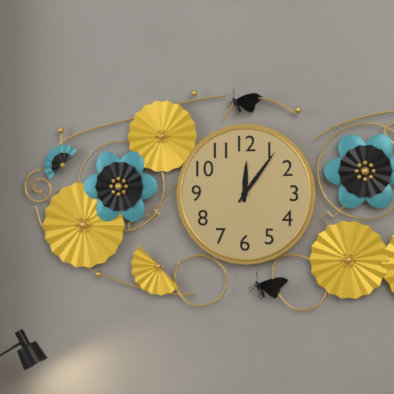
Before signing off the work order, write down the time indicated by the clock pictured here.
12:06
